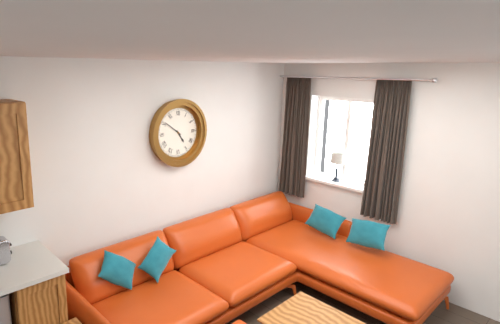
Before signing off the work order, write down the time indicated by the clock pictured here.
4:51
